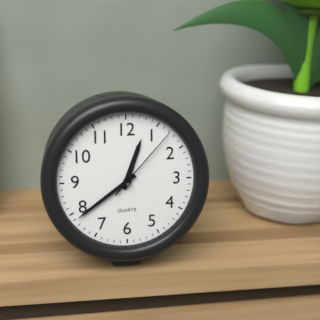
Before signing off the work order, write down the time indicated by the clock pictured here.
12:39:07
